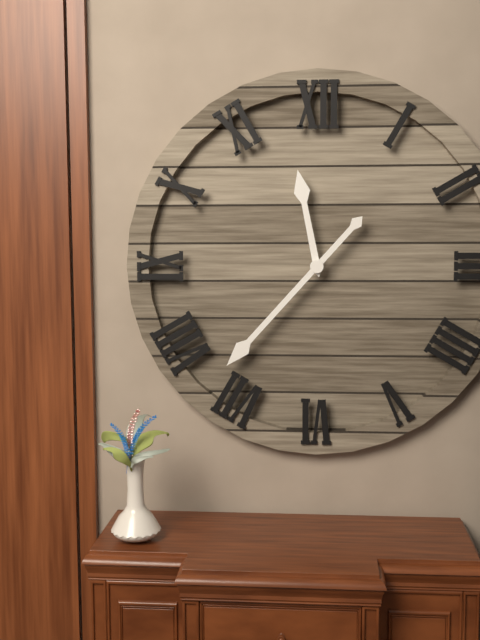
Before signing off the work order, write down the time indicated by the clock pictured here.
11:37
